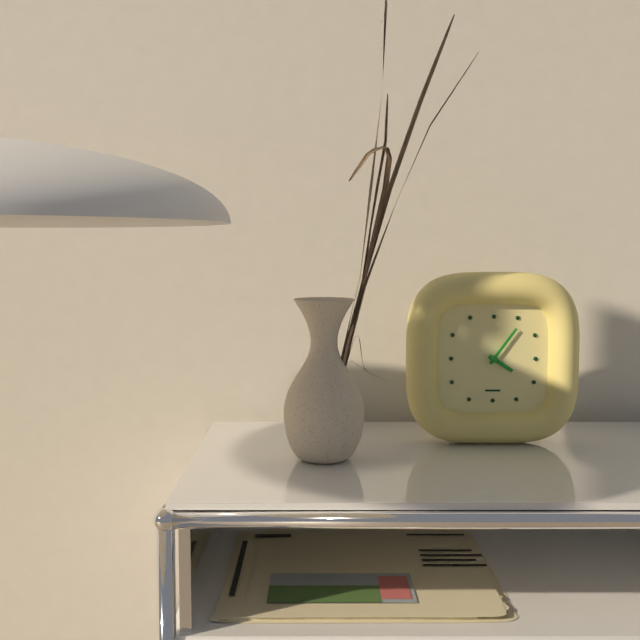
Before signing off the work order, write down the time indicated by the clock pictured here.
4:06
